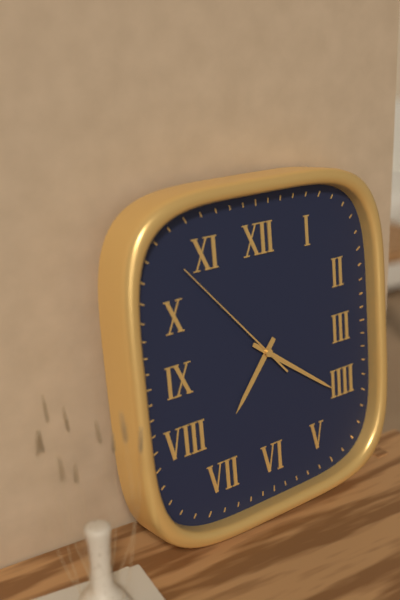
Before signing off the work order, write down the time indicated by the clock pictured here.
7:21:53
